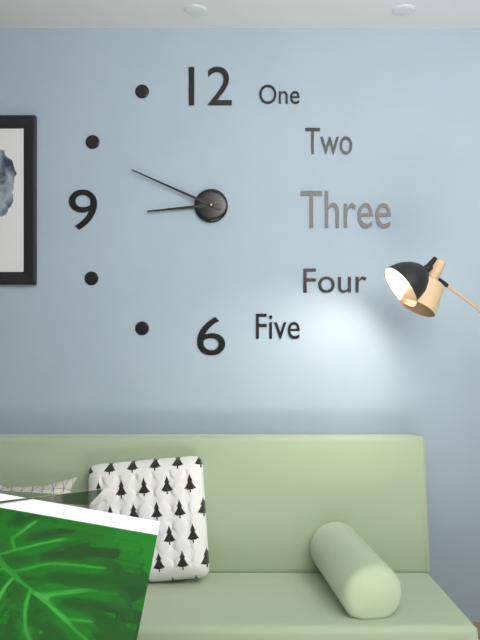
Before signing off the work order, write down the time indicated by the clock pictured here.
8:49
